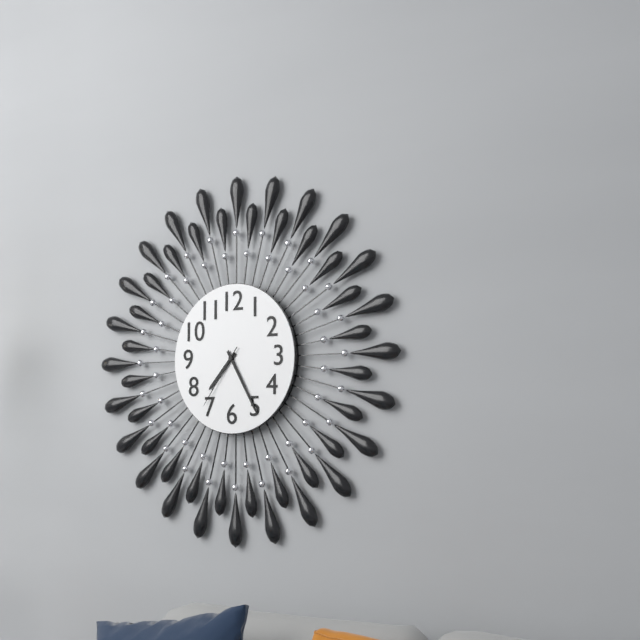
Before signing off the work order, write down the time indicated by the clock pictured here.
7:25:36
